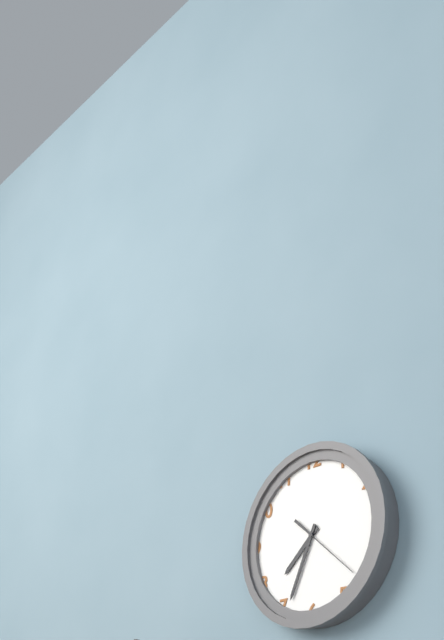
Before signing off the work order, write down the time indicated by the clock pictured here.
7:34:22
